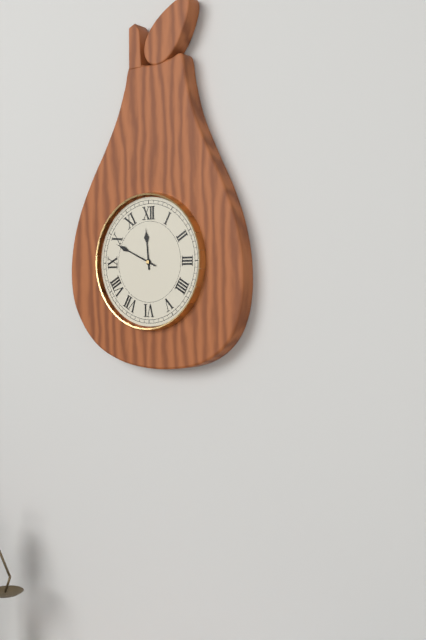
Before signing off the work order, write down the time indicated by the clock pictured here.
11:49
